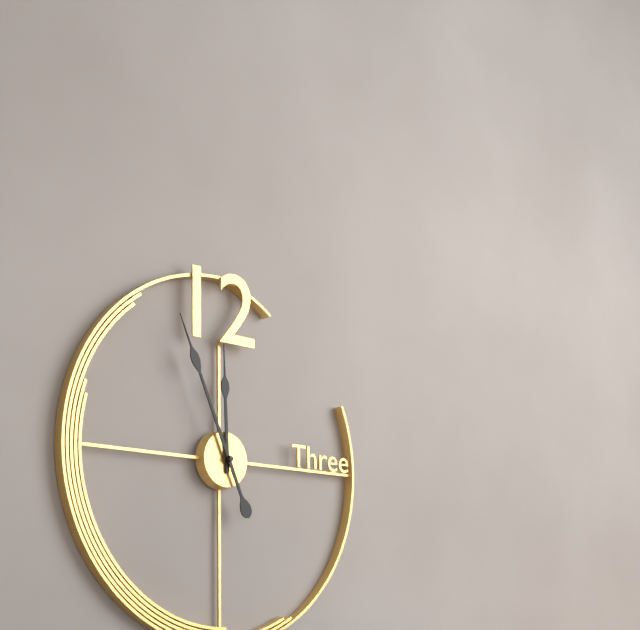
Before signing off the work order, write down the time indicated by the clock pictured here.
11:56
